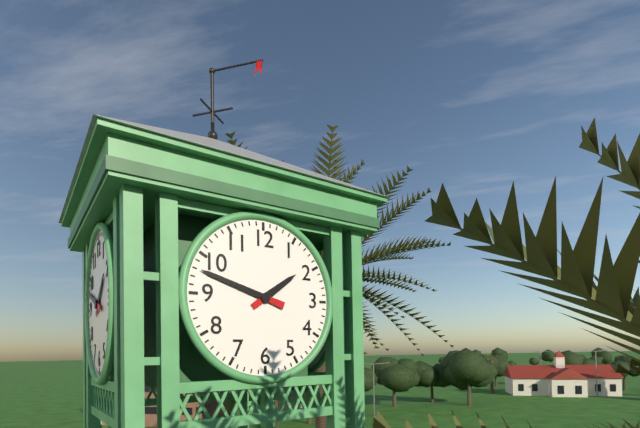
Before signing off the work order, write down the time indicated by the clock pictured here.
1:48
